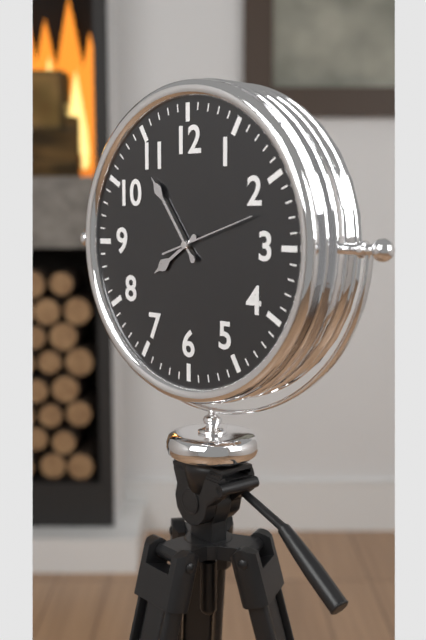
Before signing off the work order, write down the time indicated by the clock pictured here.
7:54:12
